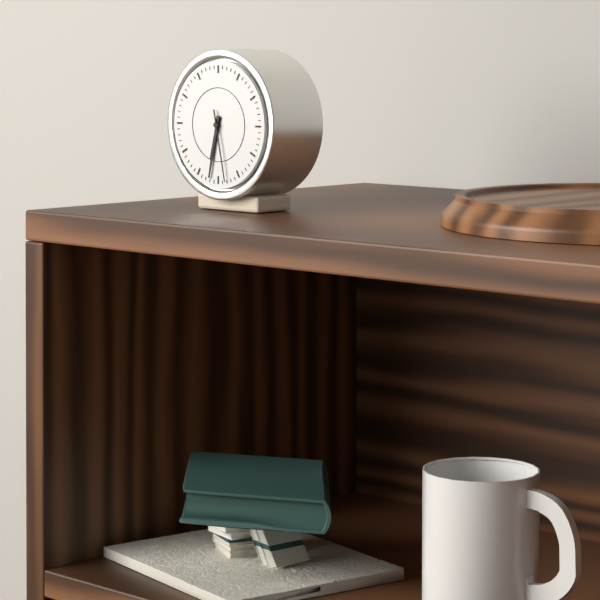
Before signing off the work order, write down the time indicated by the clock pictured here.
6:32:28
